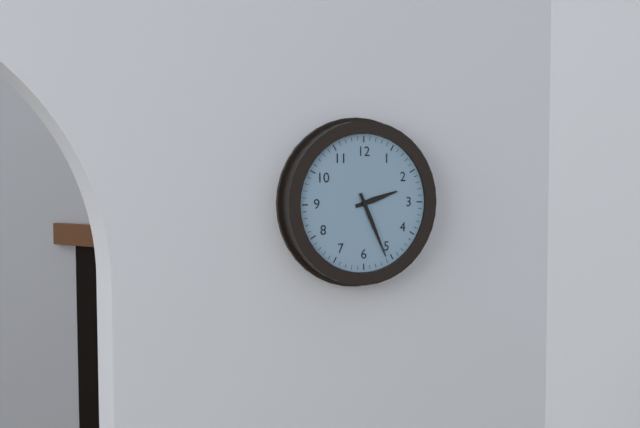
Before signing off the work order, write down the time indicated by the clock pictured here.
2:26
